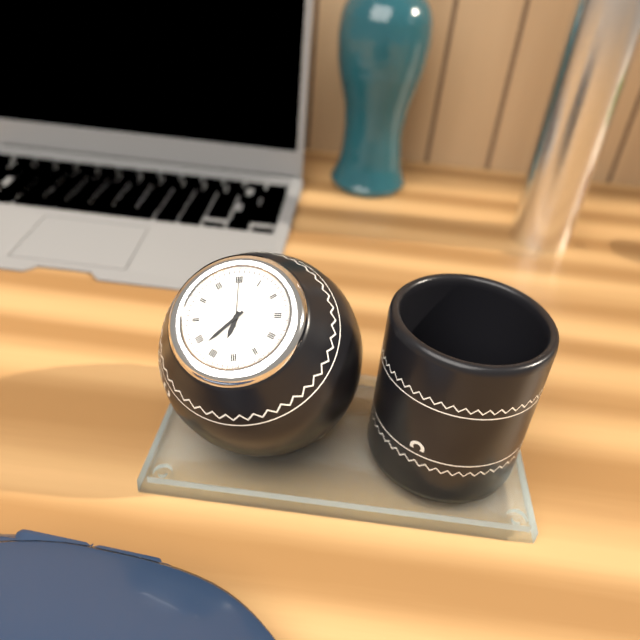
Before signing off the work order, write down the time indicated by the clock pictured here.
6:38:00
